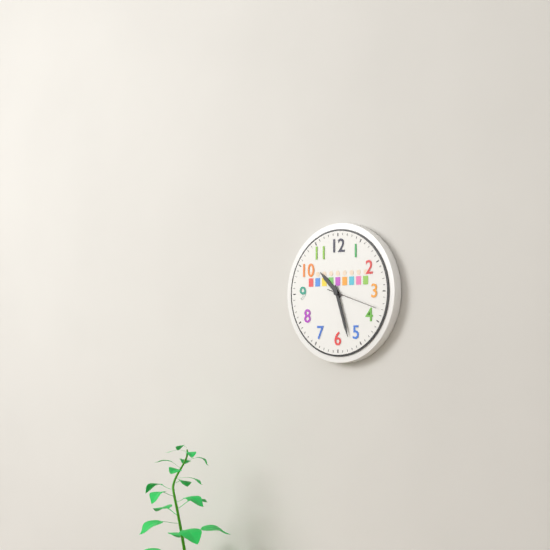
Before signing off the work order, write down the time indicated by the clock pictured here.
10:27:18
